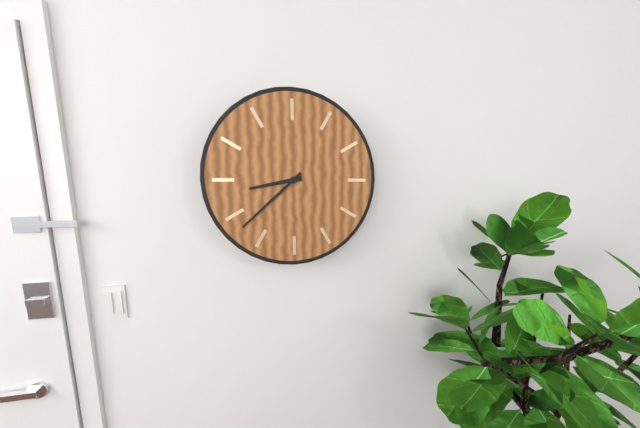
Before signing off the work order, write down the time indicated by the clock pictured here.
8:38
